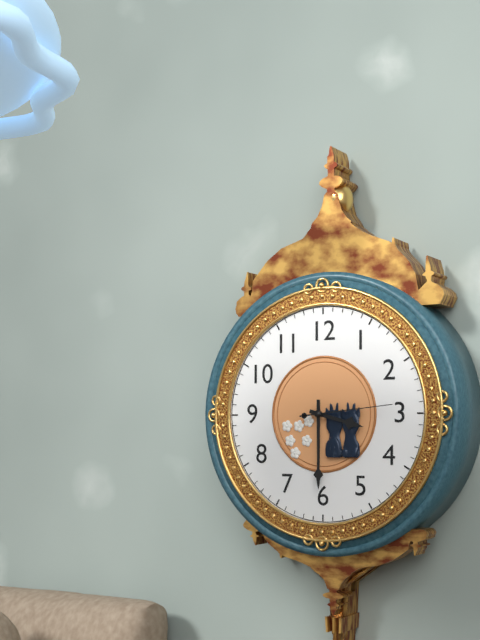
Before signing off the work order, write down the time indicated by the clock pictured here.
3:30:14
